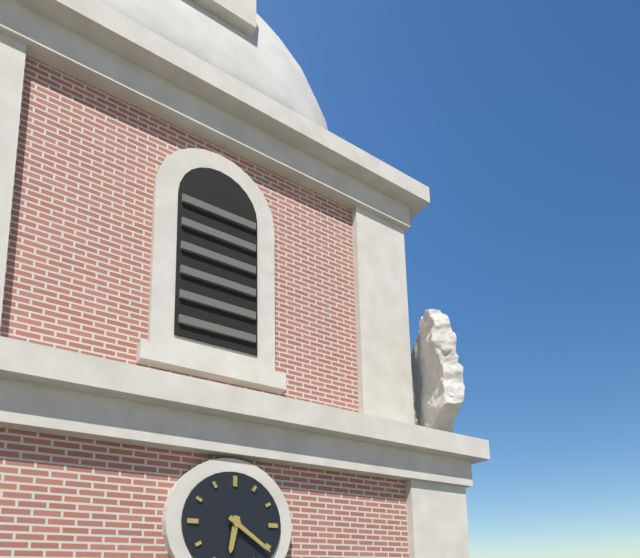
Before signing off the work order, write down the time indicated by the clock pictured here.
6:21
